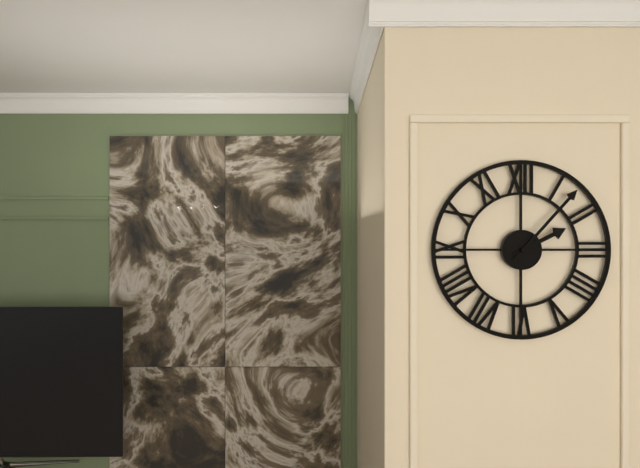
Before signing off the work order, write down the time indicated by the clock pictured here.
2:07
